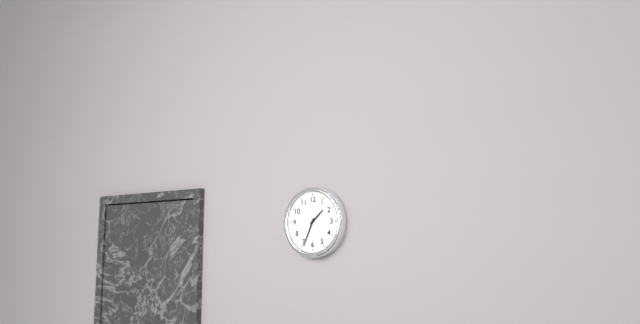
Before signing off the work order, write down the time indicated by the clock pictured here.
1:34
